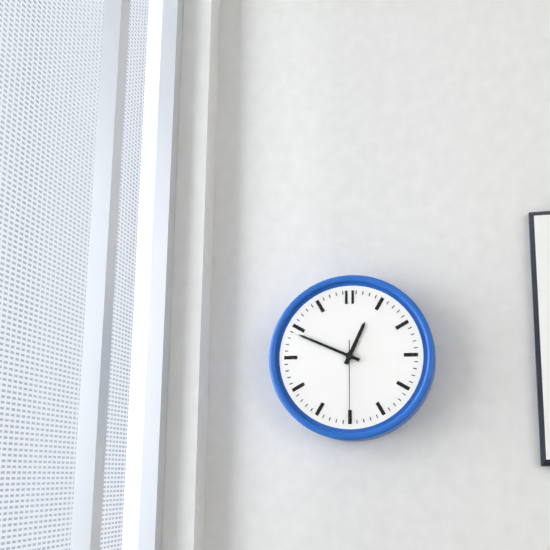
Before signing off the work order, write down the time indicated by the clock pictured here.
12:49:30
